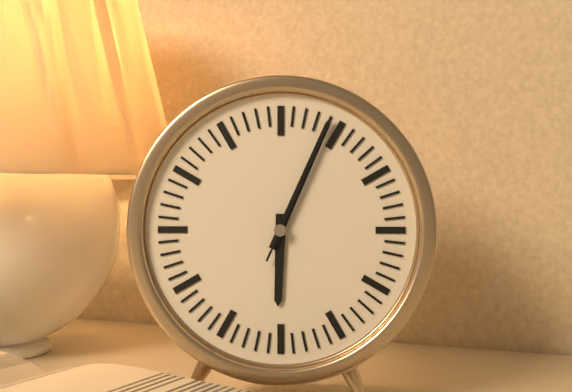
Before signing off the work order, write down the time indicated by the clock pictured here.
6:04:04
